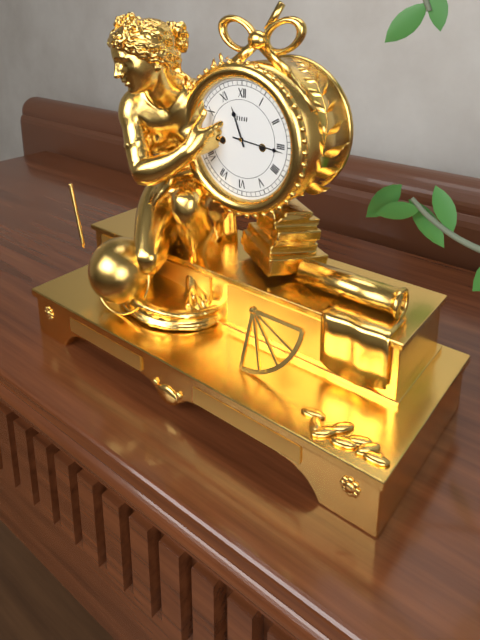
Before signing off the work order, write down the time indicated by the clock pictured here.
11:16
